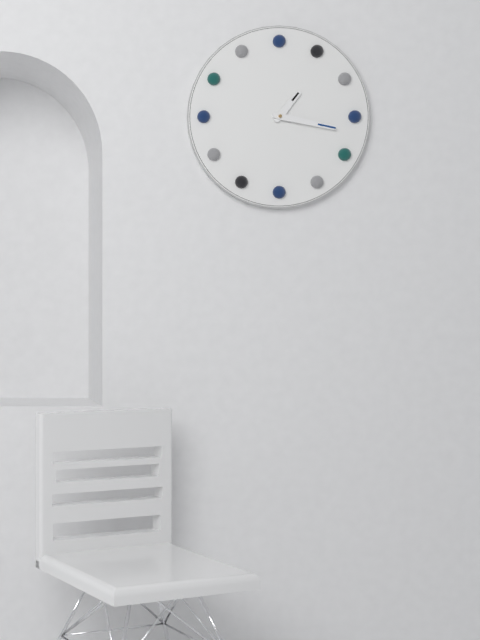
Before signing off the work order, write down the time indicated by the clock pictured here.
1:17
